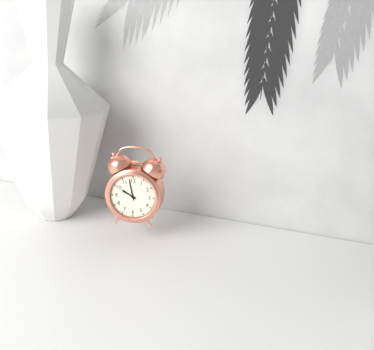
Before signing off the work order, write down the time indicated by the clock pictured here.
9:58
